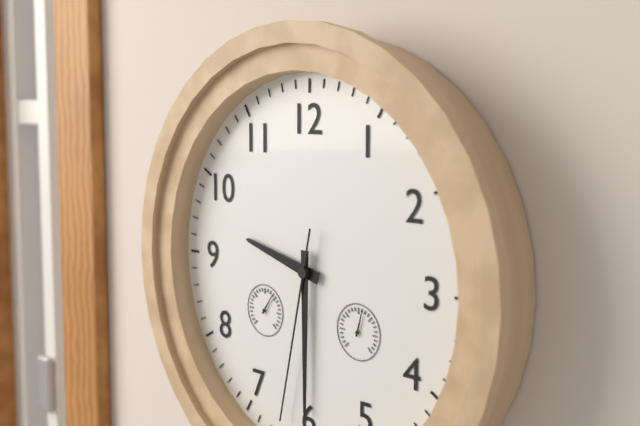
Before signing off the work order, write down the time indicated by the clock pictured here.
9:30:32
